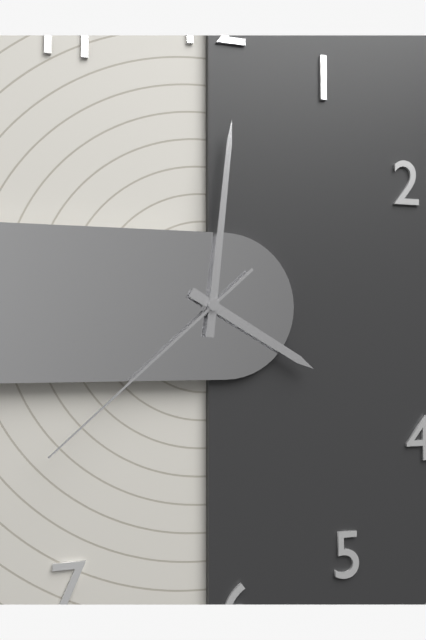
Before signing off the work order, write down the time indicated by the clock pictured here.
4:01:38
